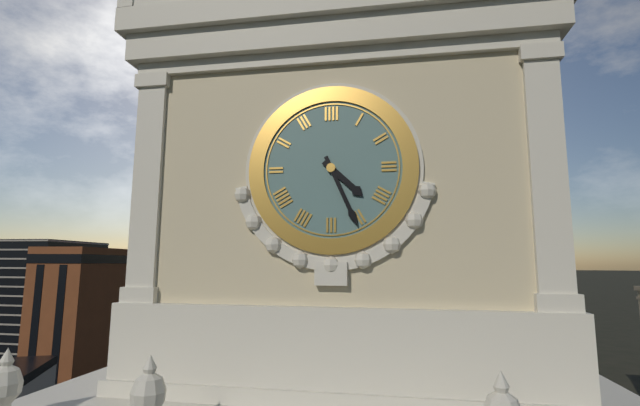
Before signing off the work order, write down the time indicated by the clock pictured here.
4:26
